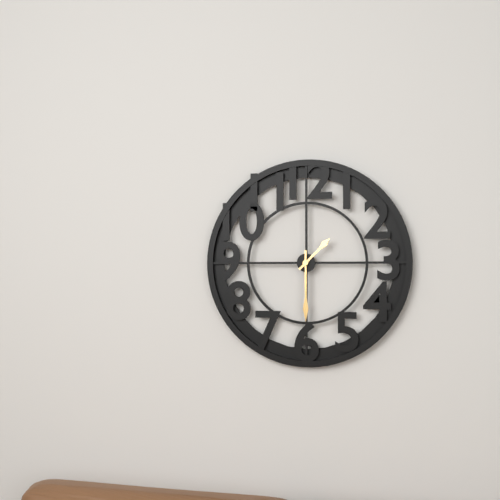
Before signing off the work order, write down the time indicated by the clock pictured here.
1:30
